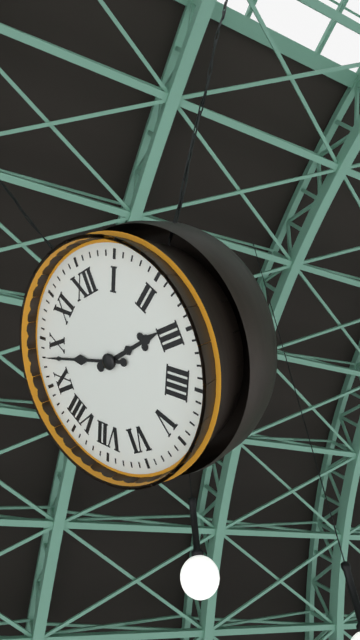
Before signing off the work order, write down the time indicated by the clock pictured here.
2:48
